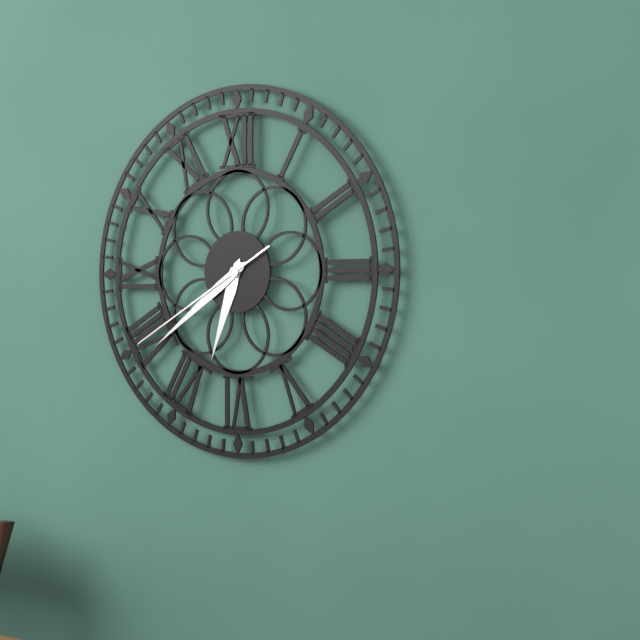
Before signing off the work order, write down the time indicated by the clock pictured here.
6:39:40
